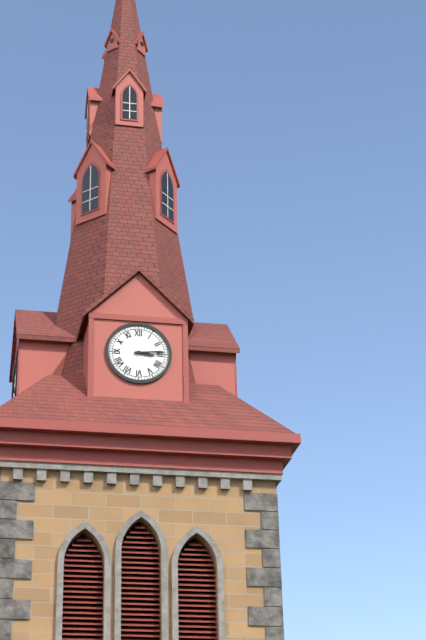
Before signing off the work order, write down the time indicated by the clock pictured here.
3:14
